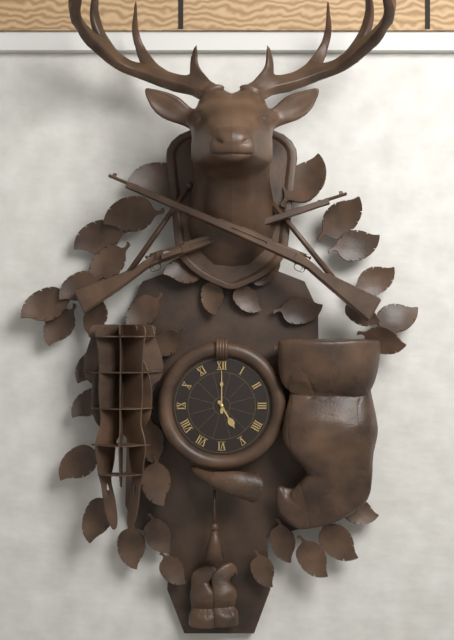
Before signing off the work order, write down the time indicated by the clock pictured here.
5:00
